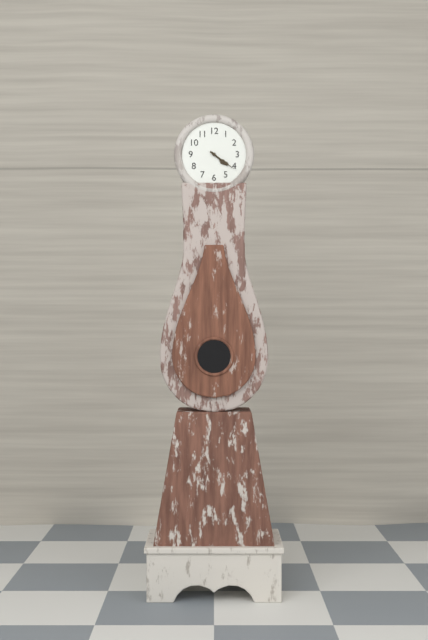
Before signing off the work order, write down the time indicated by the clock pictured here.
4:21
